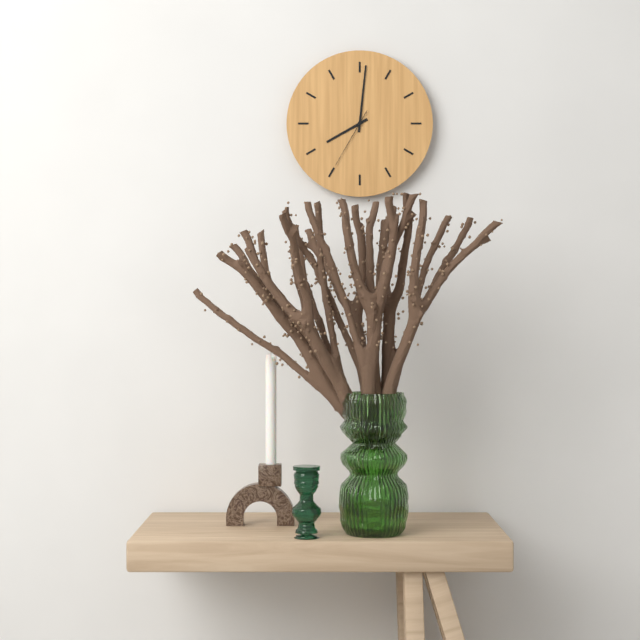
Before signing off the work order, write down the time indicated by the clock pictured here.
8:01:35
